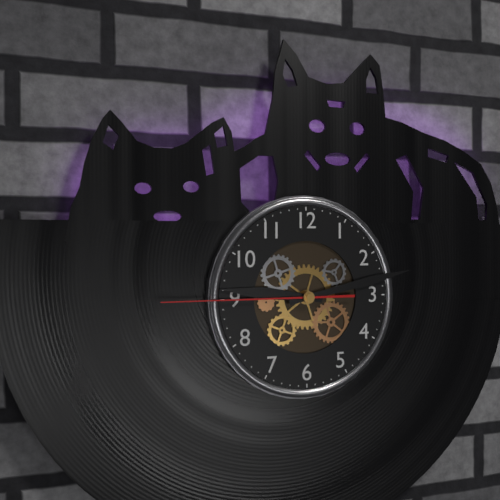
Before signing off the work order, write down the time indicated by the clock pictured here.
9:13:45
